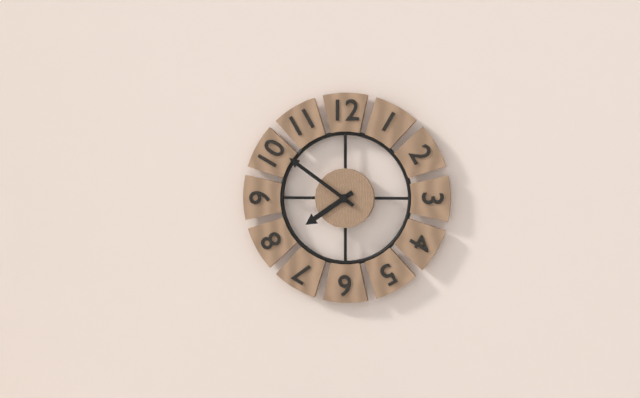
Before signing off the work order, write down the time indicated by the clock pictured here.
7:51
